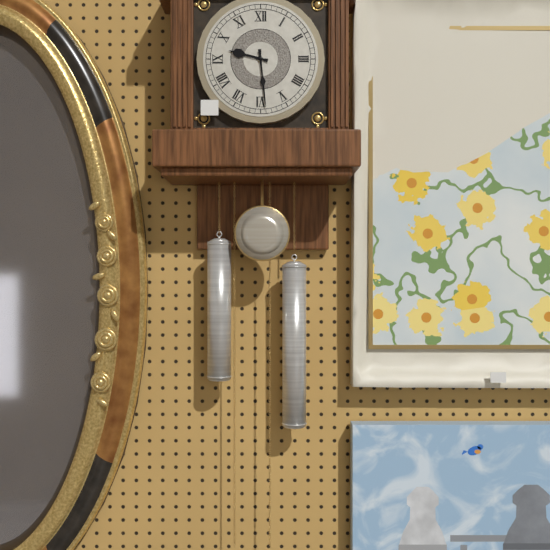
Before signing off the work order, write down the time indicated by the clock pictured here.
9:29
